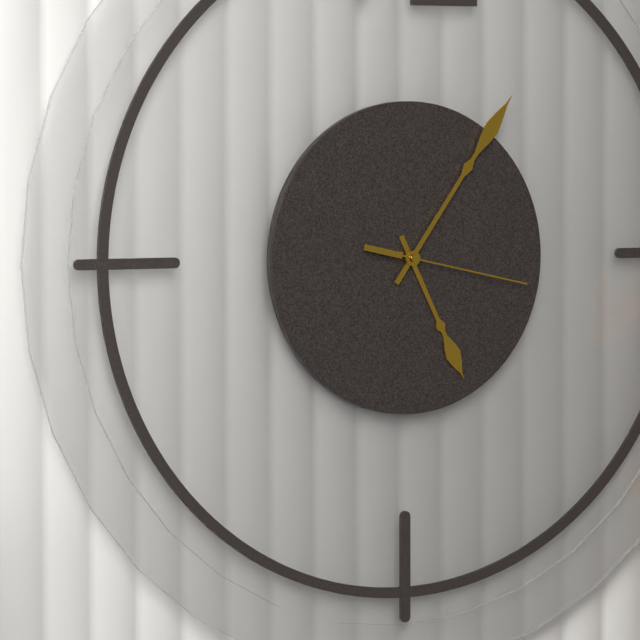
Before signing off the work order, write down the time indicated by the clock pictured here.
5:06:17
